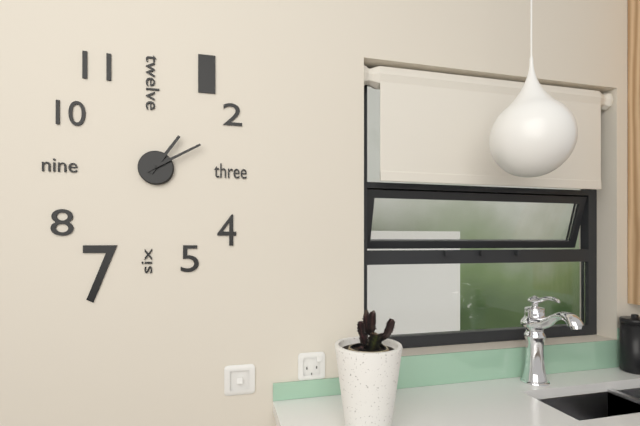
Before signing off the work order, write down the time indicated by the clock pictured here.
1:10
